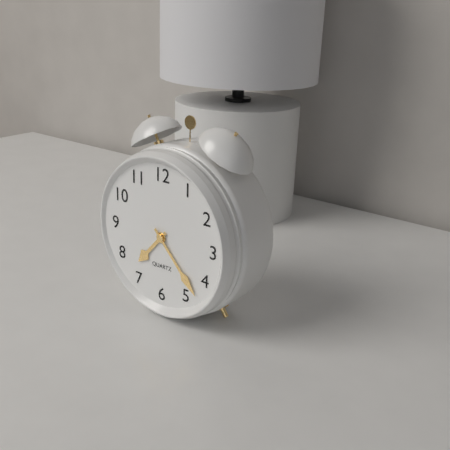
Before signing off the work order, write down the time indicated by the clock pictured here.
7:23
